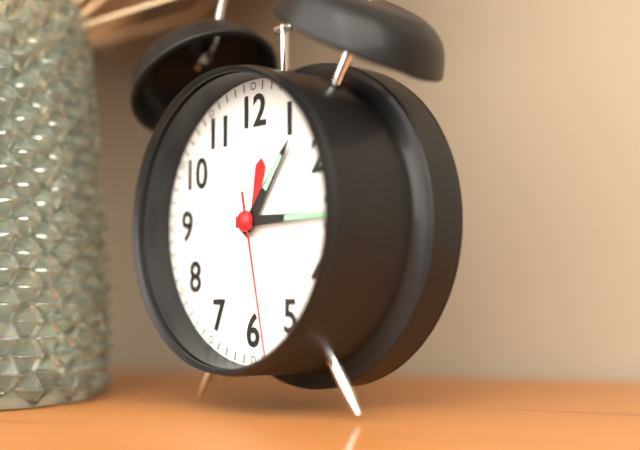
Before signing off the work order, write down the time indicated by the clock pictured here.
1:15:28
